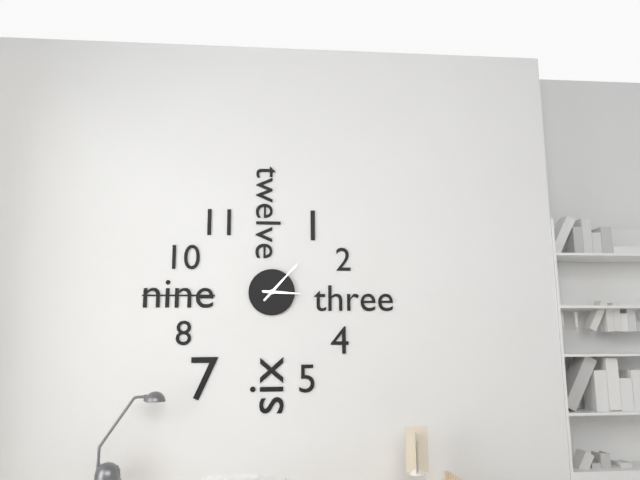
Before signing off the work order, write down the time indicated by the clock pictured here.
3:07
